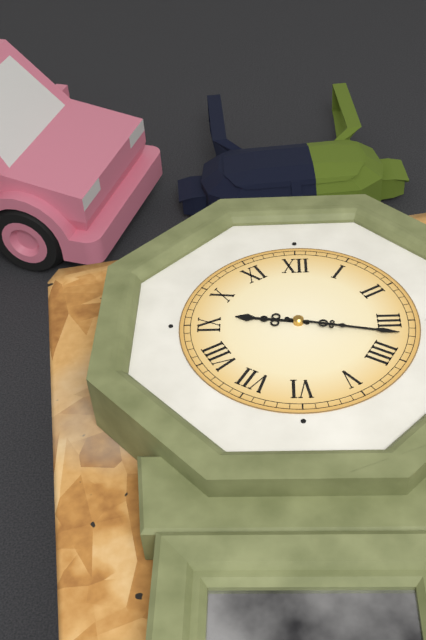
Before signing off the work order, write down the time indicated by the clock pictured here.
9:17
